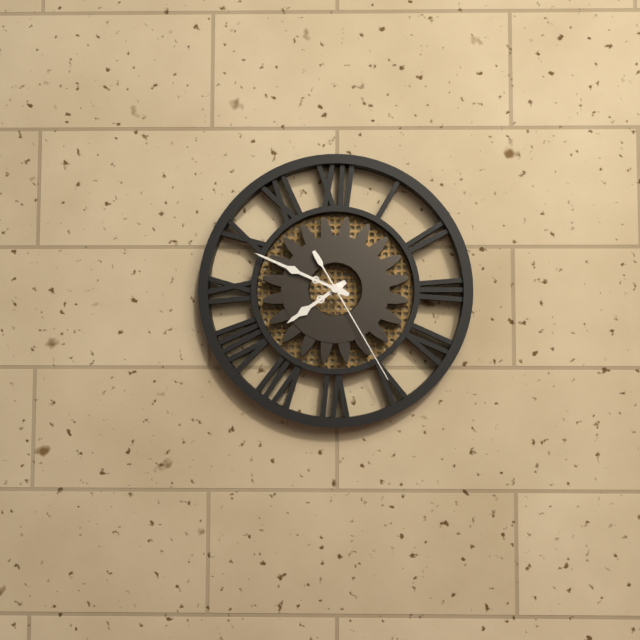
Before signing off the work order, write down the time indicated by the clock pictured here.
7:49:25
